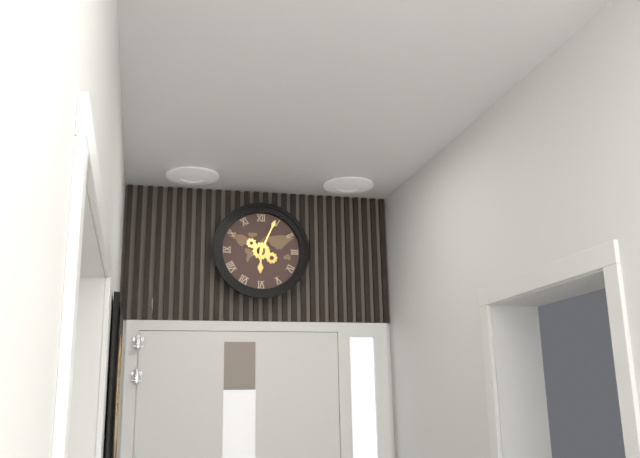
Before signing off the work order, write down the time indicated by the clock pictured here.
6:04
